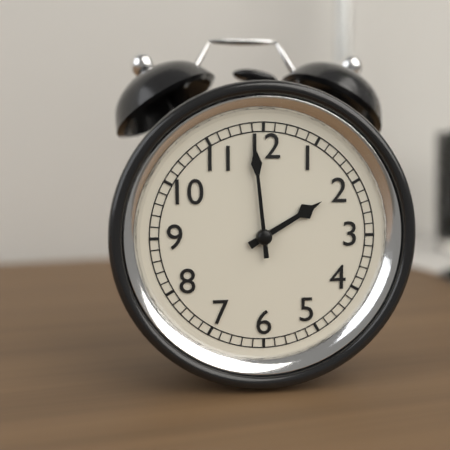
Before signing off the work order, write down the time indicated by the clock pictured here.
1:59
